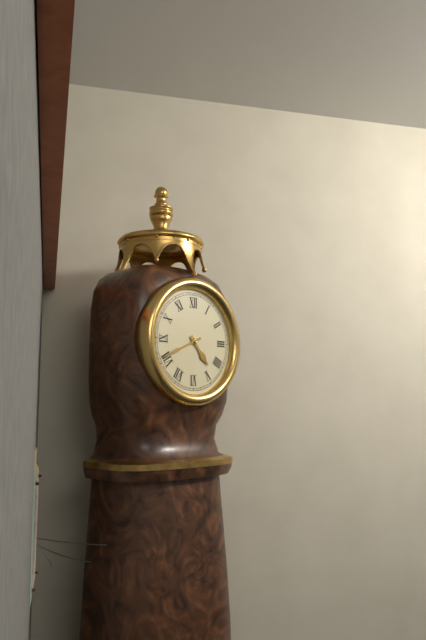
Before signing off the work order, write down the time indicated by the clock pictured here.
4:41
